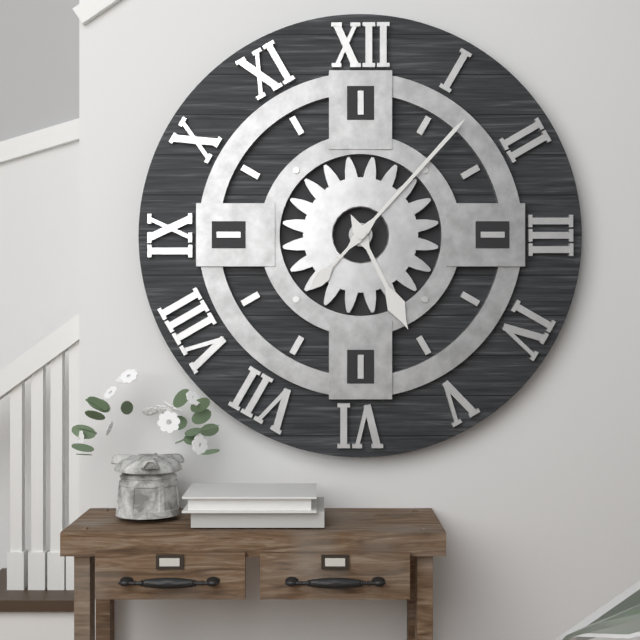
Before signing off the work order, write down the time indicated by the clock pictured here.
5:07
